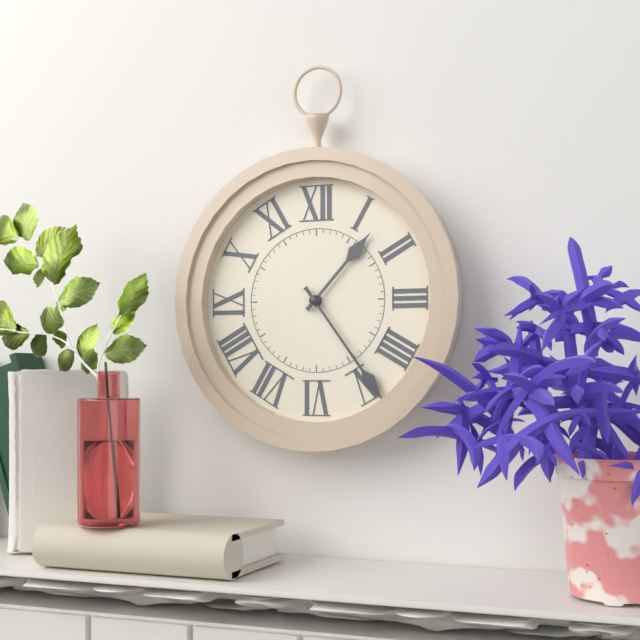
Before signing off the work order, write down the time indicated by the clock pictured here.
1:24
